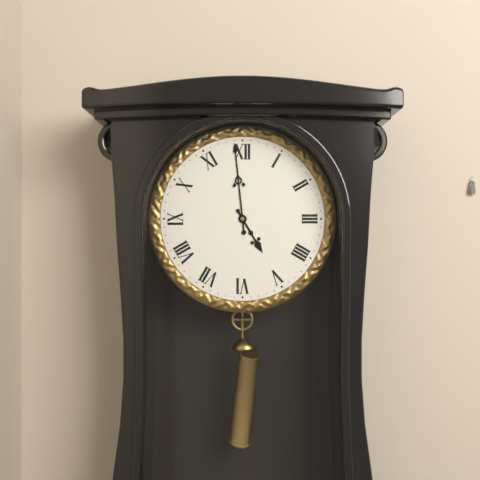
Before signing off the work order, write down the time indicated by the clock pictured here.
4:59
